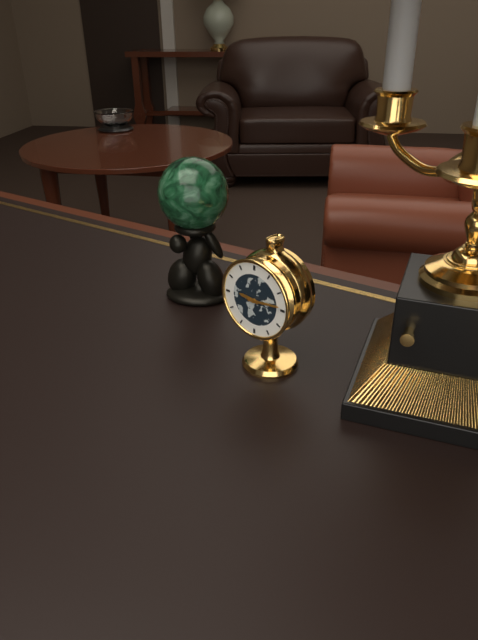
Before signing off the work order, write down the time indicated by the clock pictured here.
9:14
